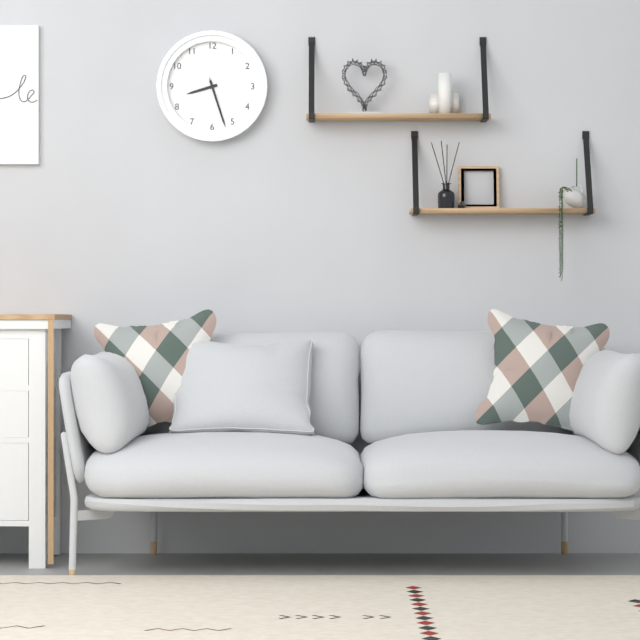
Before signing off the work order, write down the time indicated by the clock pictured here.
8:27
